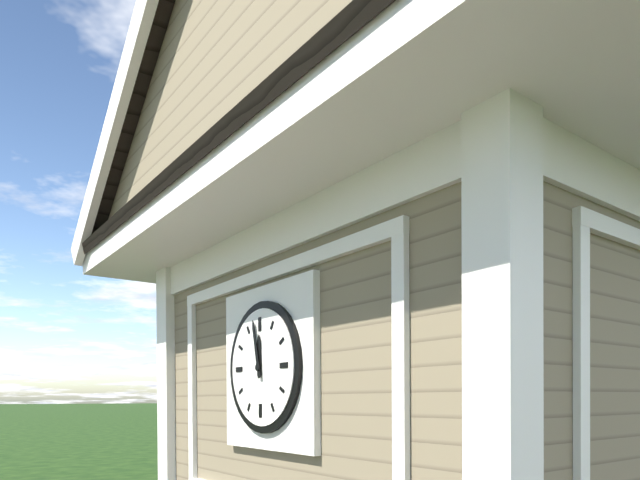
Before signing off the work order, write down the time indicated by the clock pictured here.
11:58
